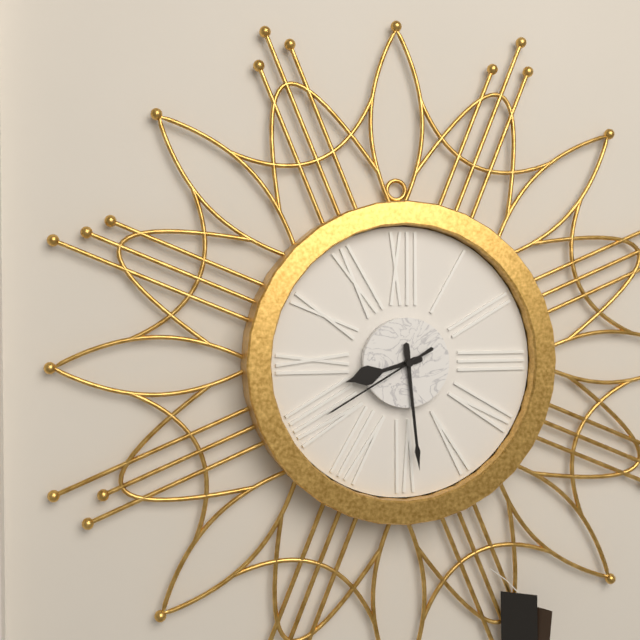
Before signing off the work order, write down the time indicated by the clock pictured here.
8:29:40
